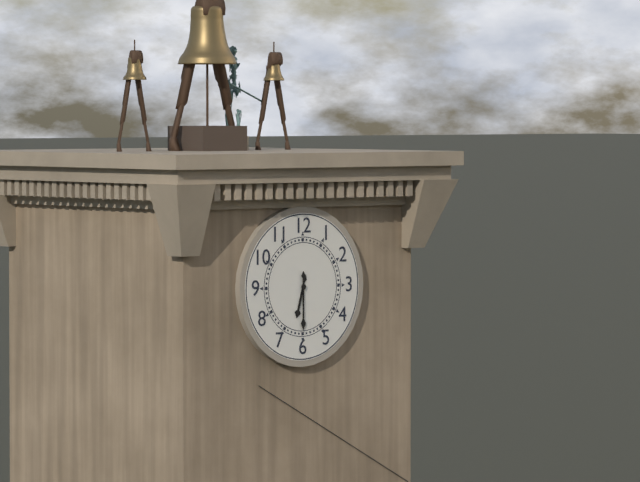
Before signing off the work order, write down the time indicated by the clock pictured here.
6:30
